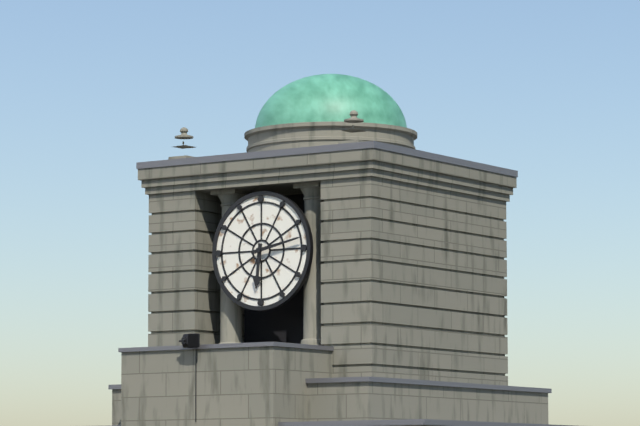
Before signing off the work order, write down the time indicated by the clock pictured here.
6:13
